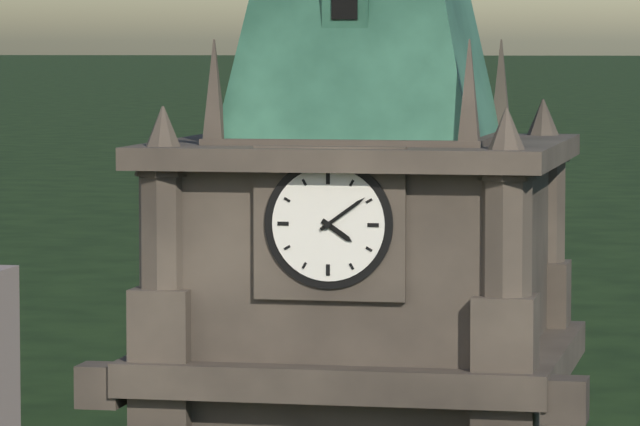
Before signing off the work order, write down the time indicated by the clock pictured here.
4:09
